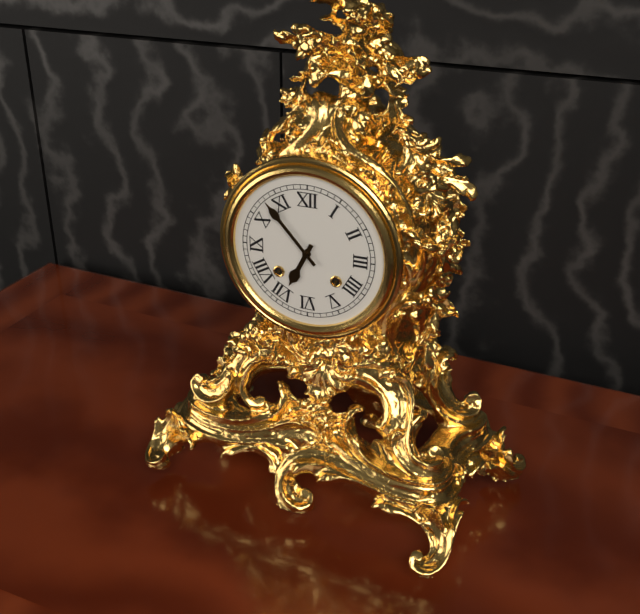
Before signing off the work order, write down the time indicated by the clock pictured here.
6:53
